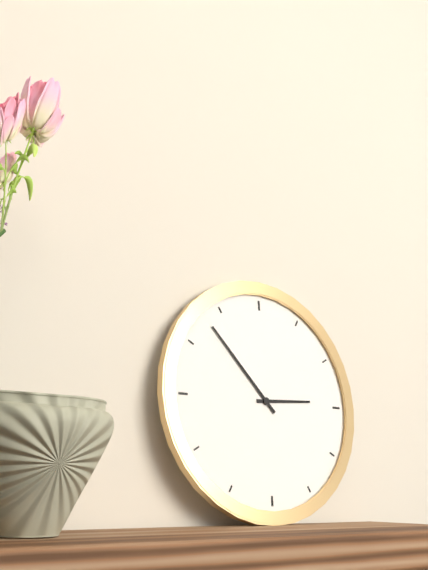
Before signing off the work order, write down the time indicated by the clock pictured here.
2:53
